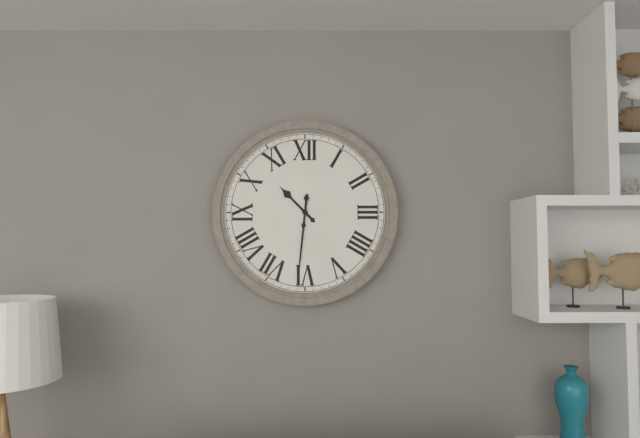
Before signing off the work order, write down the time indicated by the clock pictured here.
10:31
